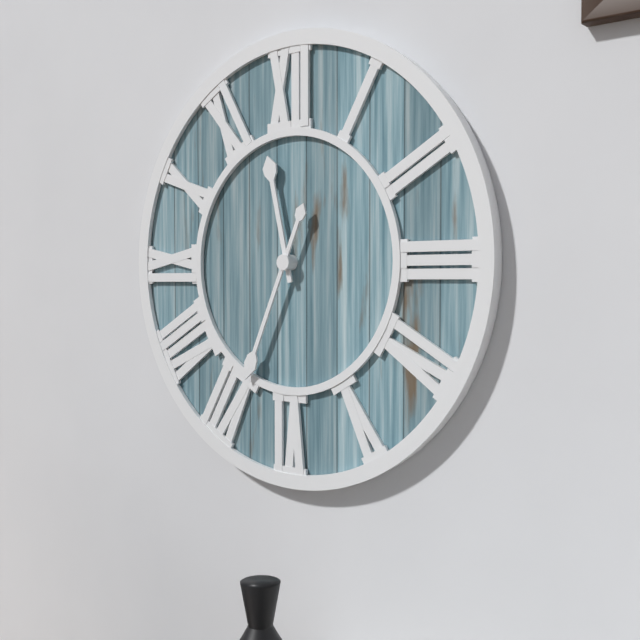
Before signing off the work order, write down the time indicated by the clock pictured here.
11:34
